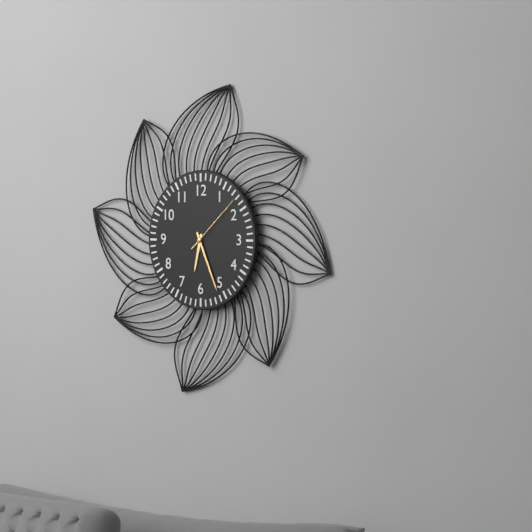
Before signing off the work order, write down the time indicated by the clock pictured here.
6:26:08
